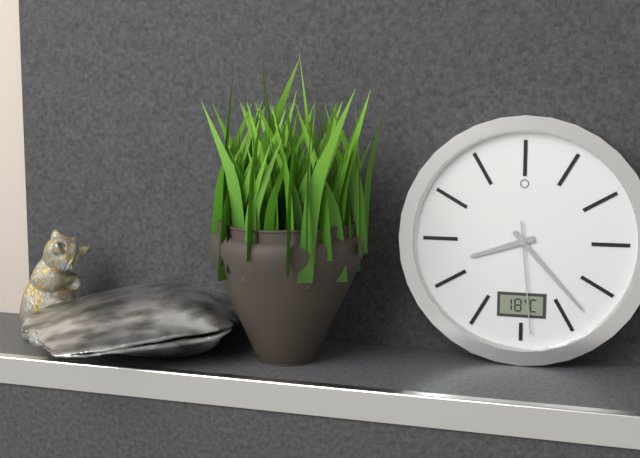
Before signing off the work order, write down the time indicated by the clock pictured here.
8:23:29
